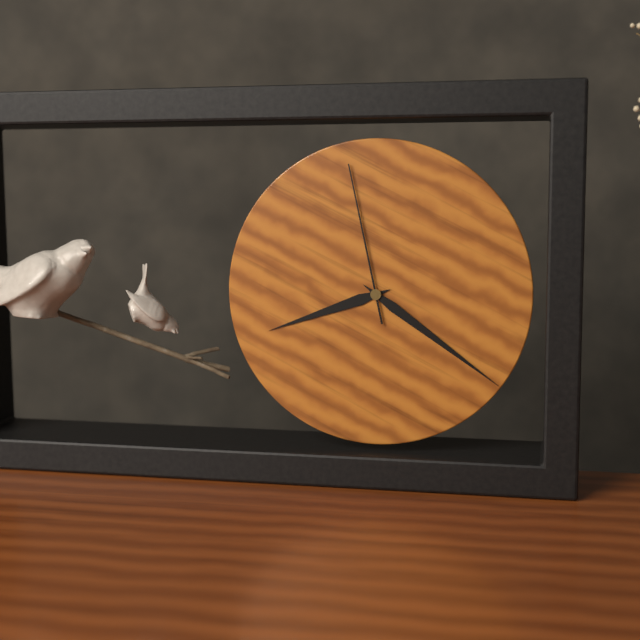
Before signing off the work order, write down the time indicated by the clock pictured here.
8:21:58
